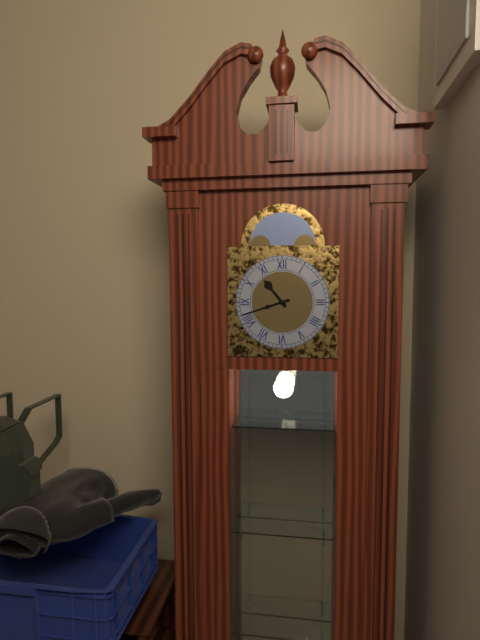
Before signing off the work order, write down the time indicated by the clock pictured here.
10:42
